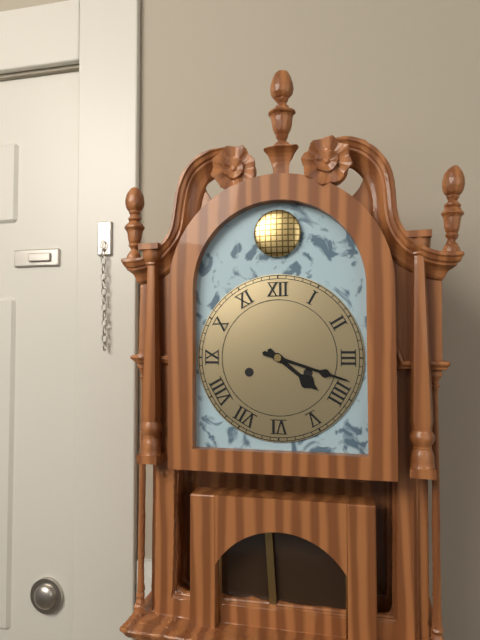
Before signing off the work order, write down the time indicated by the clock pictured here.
4:18
